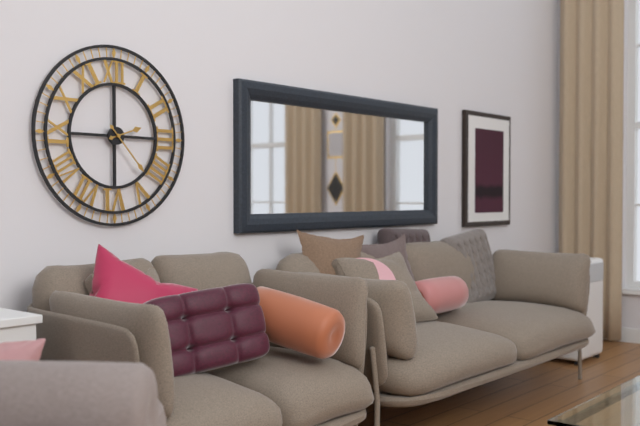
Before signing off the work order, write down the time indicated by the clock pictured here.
2:23
